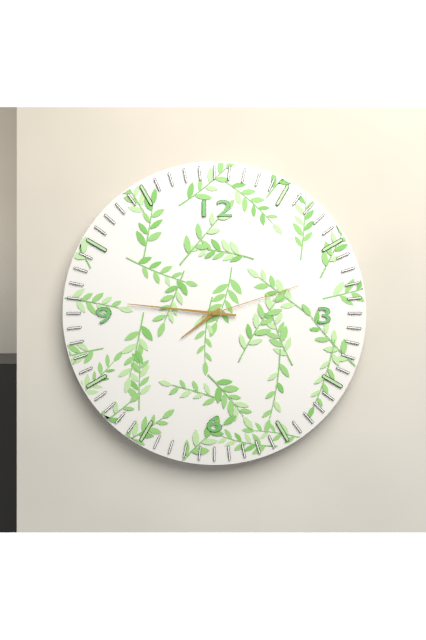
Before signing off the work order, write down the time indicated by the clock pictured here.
7:46:12
